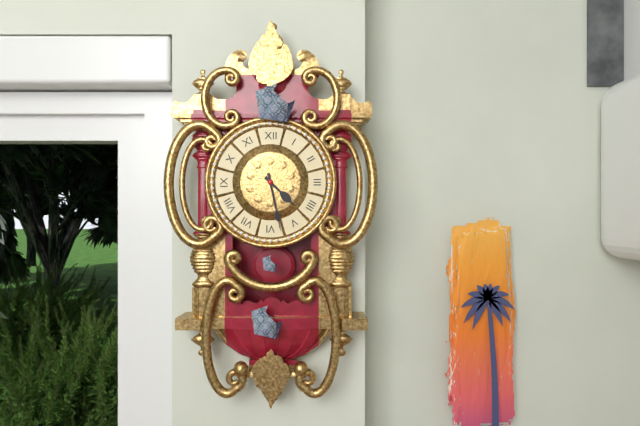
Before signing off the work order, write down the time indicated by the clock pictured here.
4:28
